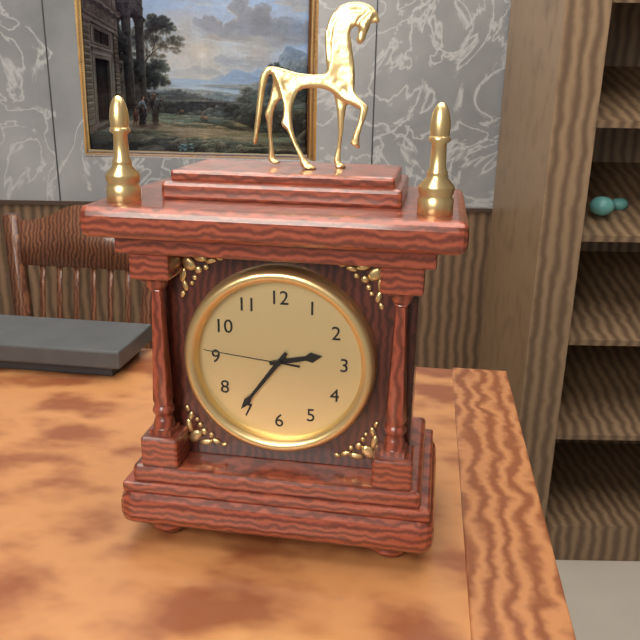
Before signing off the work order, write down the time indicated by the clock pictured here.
2:36:46
